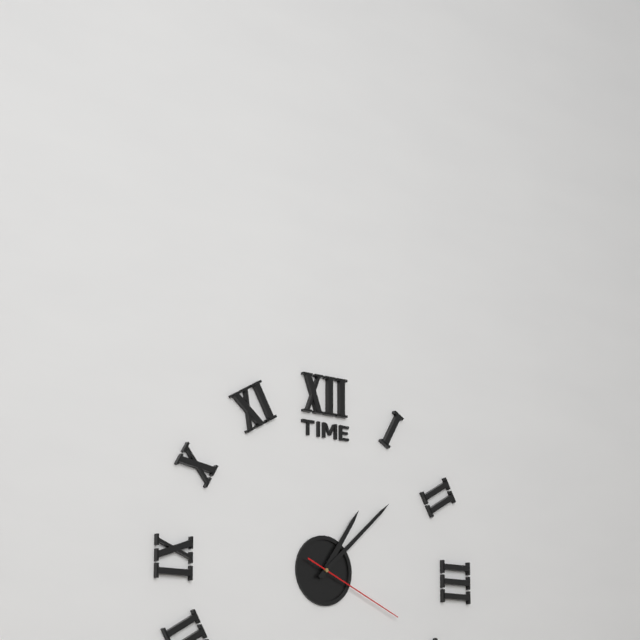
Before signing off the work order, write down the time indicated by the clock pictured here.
1:08:19
